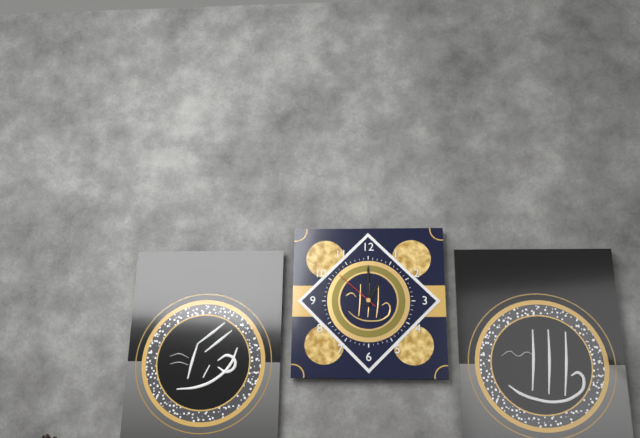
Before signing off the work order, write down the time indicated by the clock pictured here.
1:00
